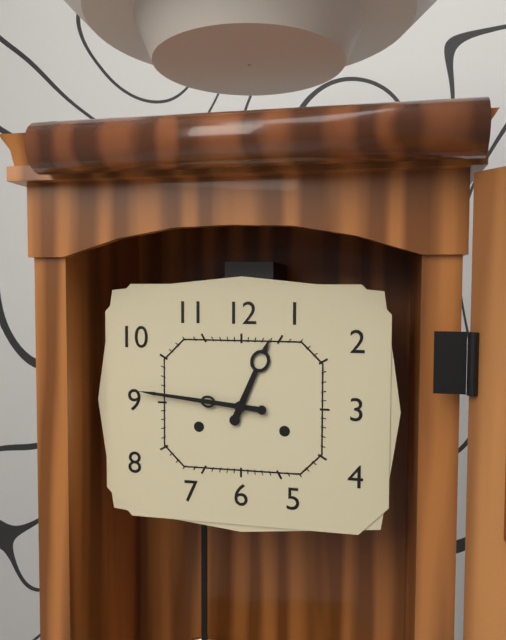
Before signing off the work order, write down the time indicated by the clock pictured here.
12:46
